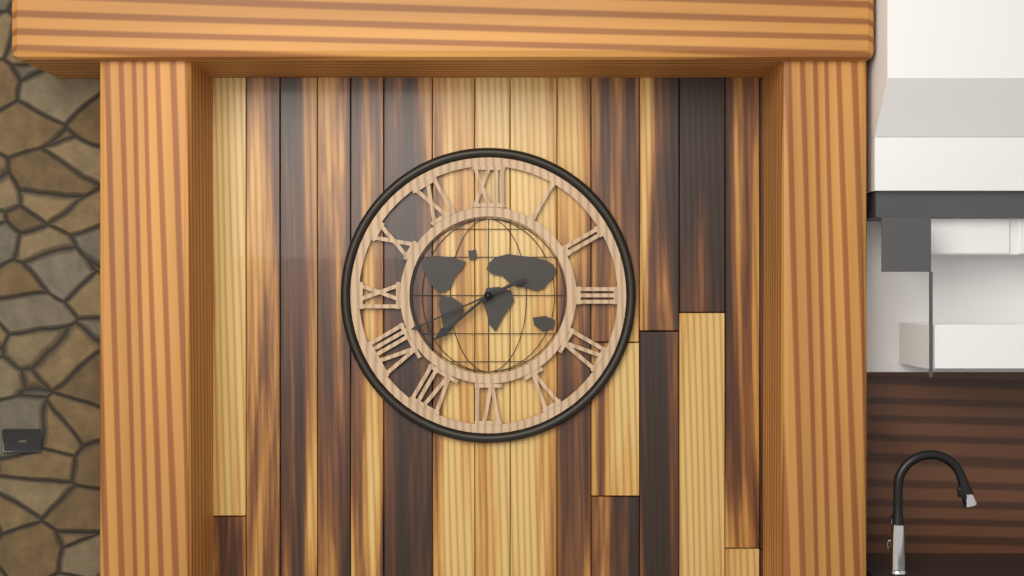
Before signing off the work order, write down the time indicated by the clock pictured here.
7:41
